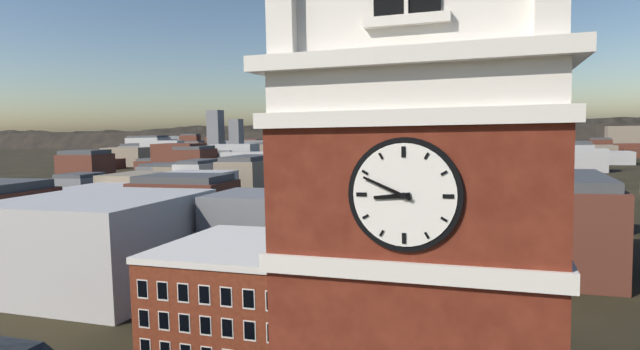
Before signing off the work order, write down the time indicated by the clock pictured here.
8:49
